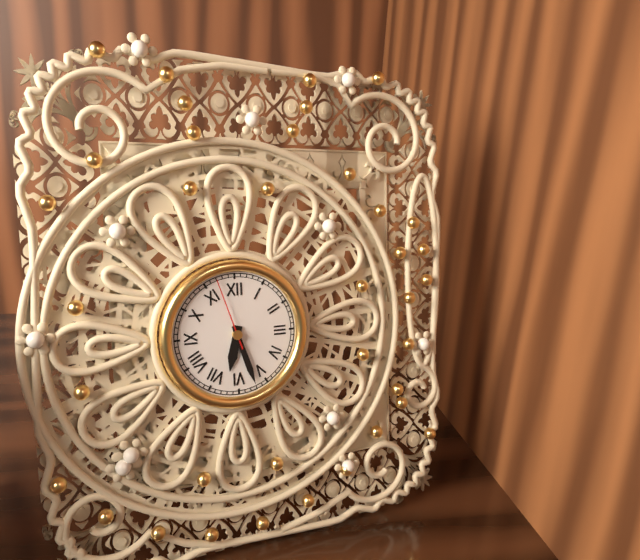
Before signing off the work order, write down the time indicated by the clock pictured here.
6:27:57
